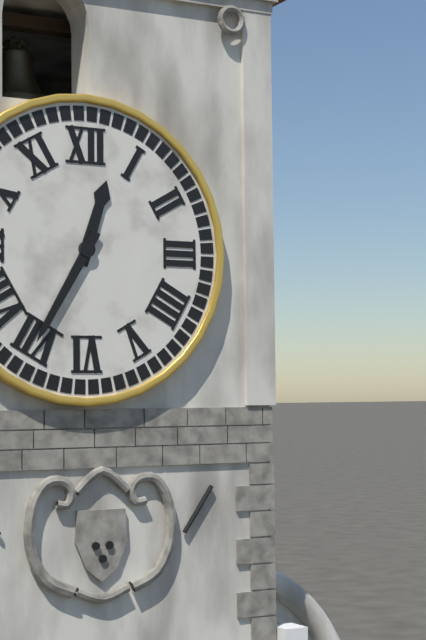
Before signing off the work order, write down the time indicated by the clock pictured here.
12:35
